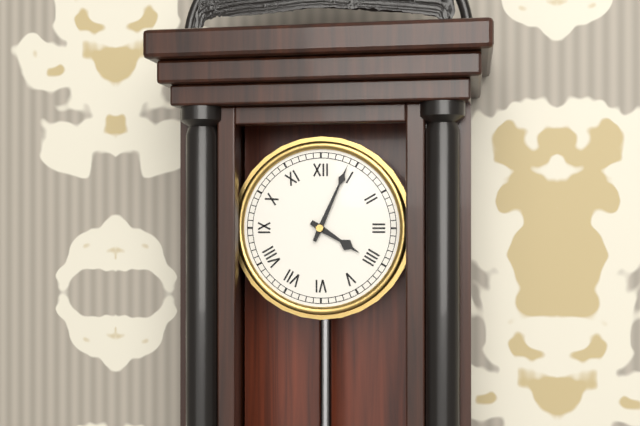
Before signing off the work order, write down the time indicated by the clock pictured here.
4:04
